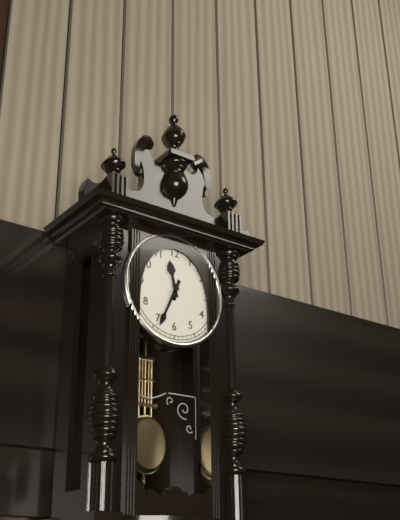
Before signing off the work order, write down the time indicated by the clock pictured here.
11:34
